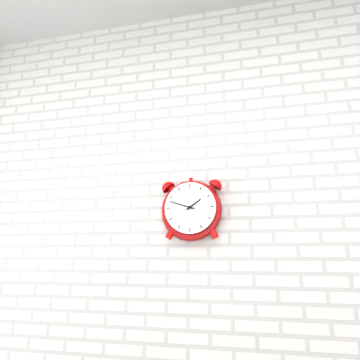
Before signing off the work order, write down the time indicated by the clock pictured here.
1:48
